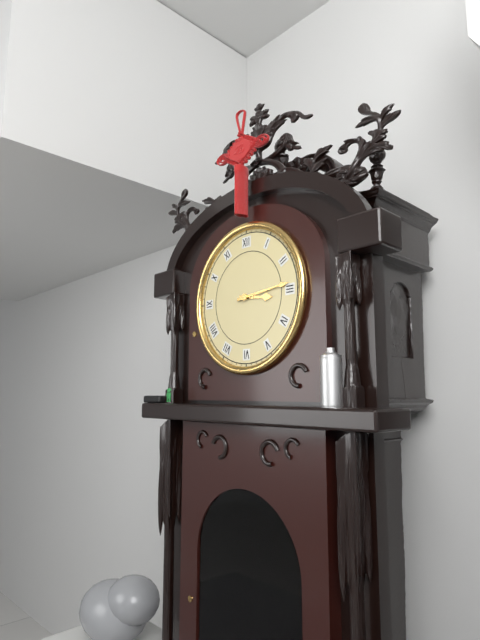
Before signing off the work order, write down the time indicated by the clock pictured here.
3:14
